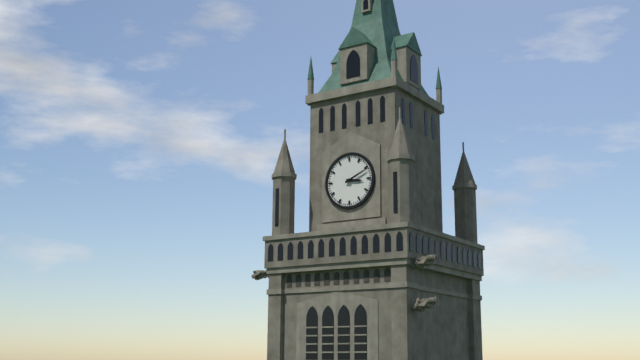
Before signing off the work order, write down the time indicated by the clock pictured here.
3:11
